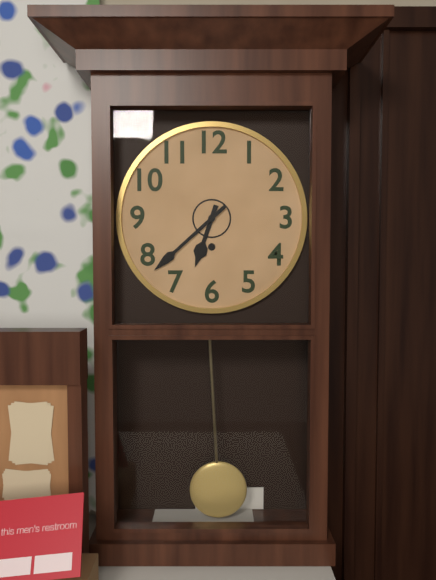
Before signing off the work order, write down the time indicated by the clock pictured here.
6:38
